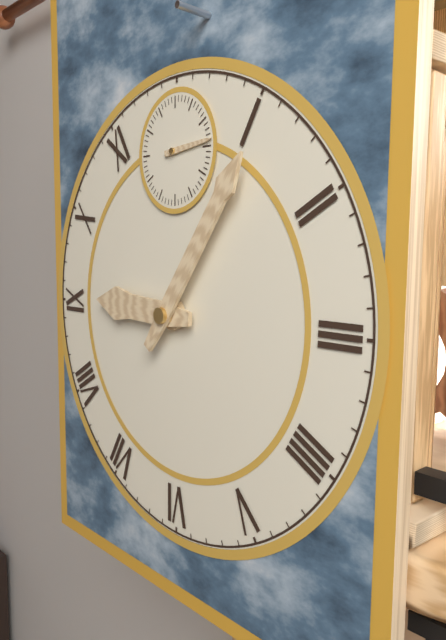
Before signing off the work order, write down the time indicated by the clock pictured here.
9:06
